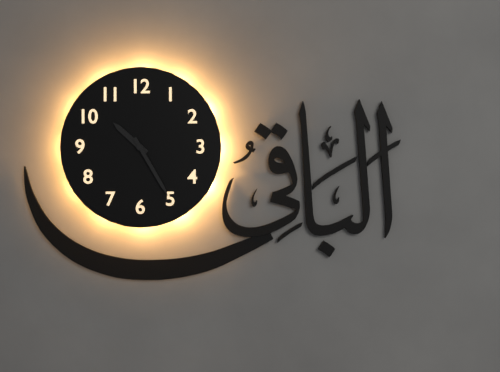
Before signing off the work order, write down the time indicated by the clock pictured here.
10:25
